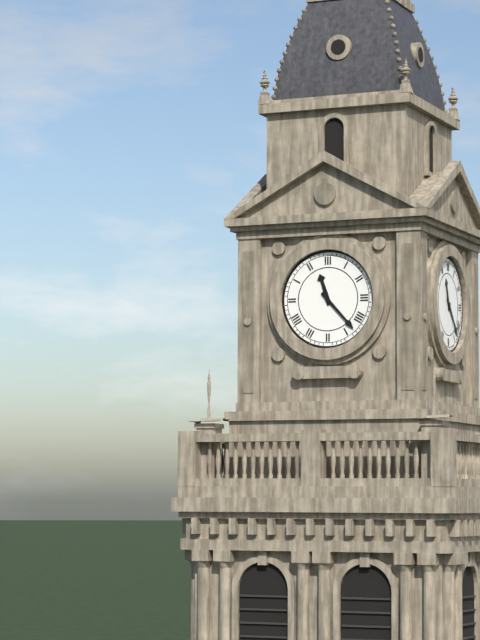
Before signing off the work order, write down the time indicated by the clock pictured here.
11:23
